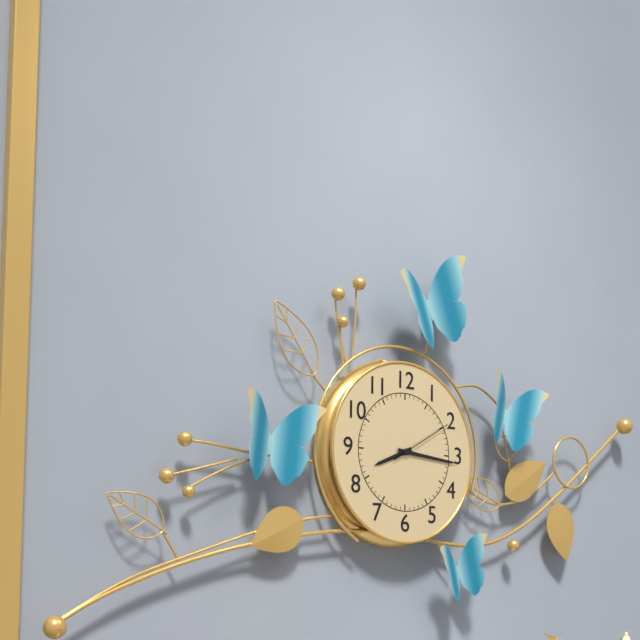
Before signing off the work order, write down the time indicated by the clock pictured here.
8:16:10
